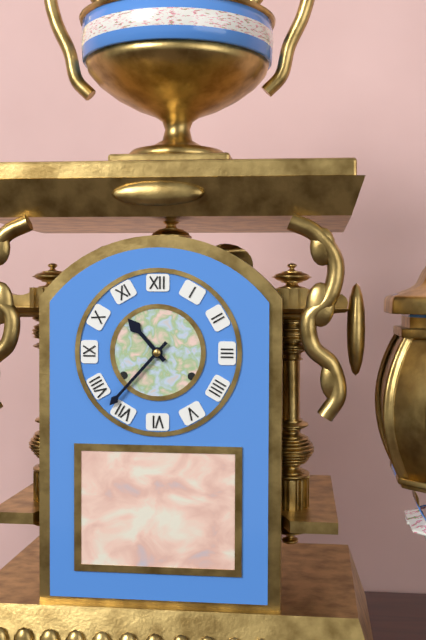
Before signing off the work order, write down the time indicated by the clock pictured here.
10:37
